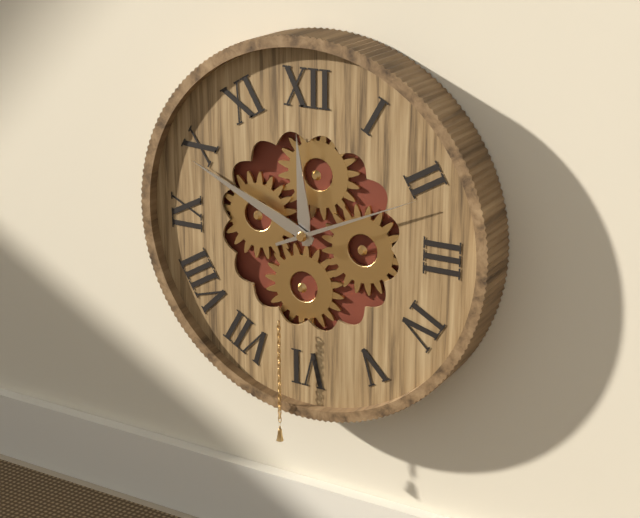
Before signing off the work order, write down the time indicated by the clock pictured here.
11:49:11
